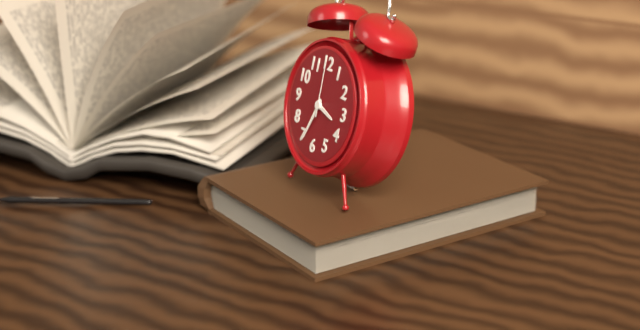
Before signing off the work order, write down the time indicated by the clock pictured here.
3:34:00
